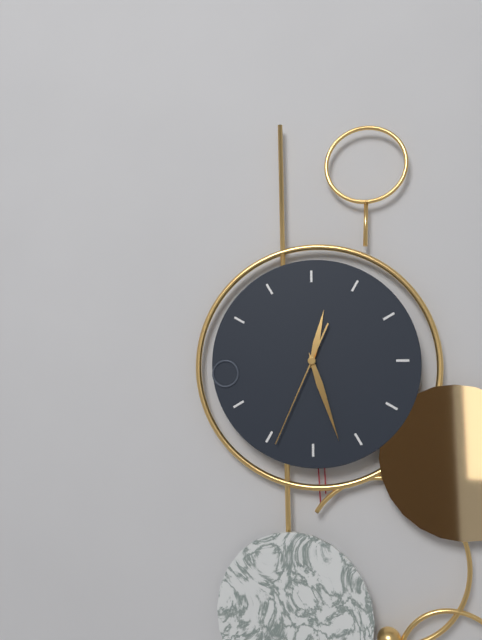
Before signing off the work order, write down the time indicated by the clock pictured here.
12:27:34
